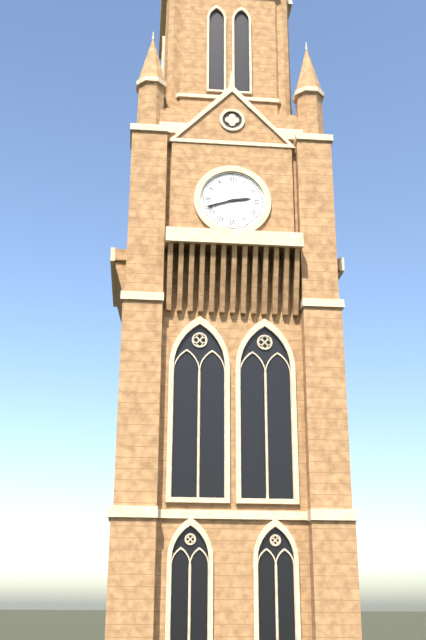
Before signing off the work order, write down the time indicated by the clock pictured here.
2:42
